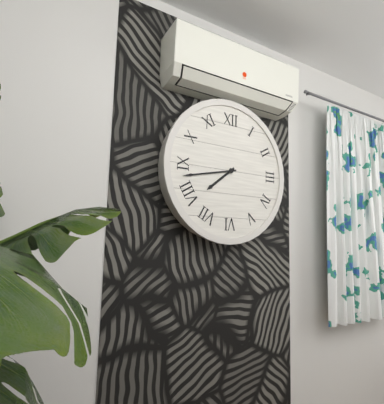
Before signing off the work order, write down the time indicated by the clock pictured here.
7:43
